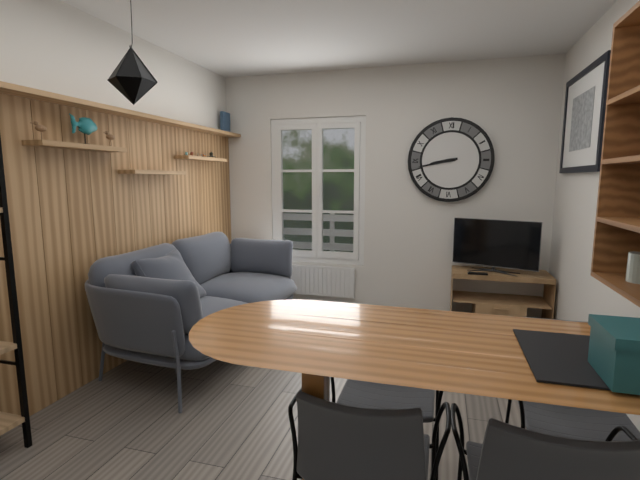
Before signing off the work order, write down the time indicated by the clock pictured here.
8:43
